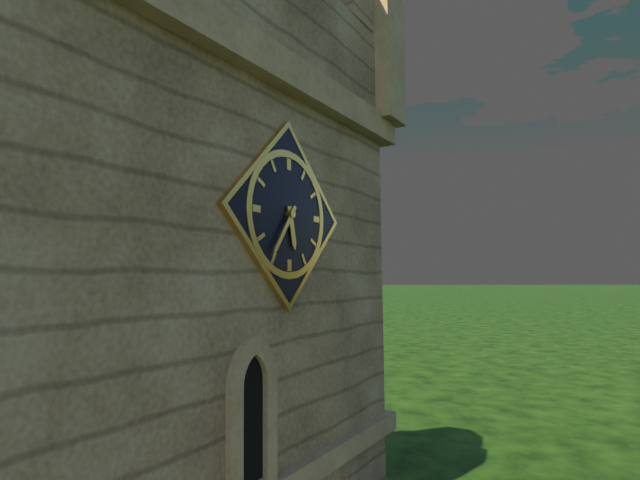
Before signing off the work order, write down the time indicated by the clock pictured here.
5:36
